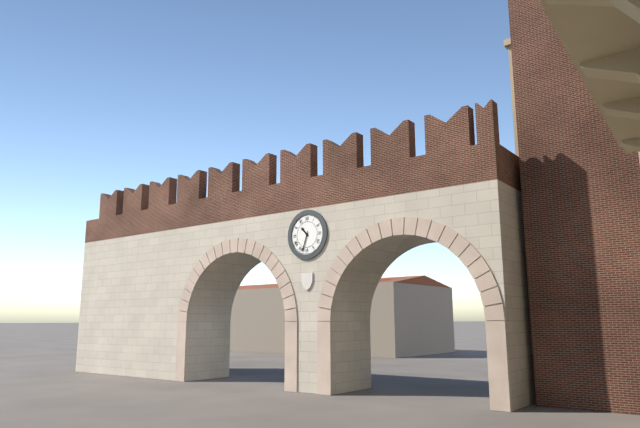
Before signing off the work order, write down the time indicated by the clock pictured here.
10:33
